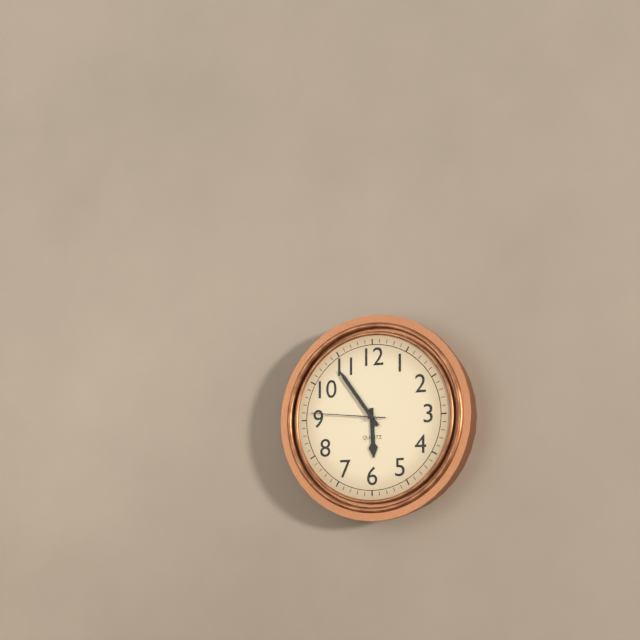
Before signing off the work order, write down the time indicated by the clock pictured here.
5:54:46
